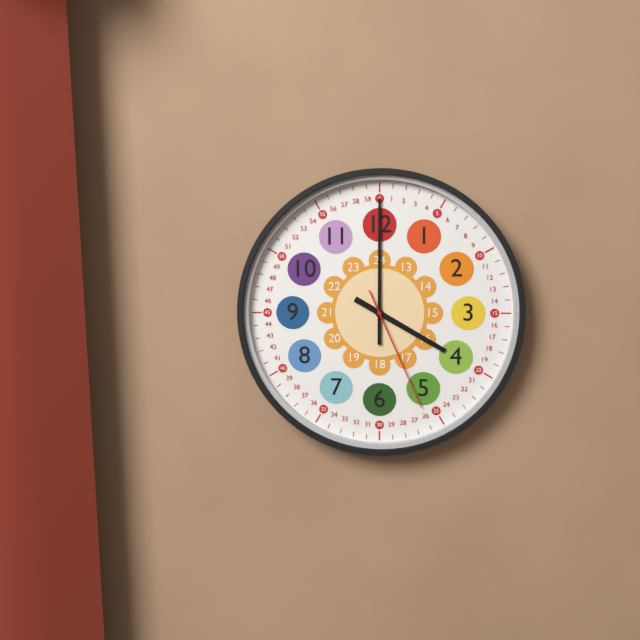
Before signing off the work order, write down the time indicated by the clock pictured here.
4:00:26
